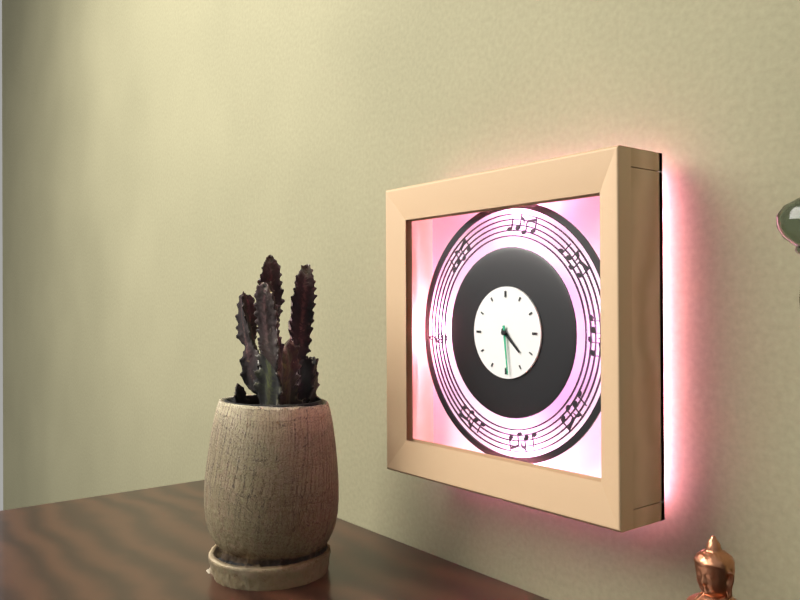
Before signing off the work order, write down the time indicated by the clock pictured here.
4:29
